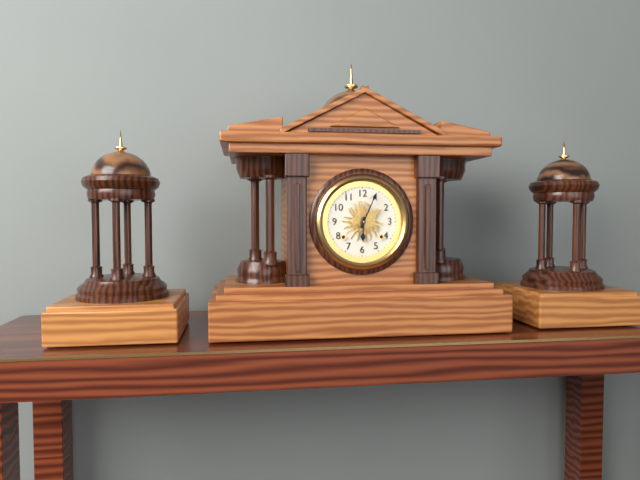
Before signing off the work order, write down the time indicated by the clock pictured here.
6:04
